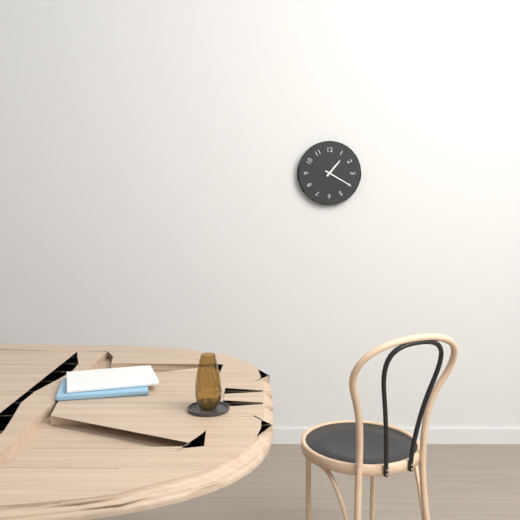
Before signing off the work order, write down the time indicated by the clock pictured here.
1:20
